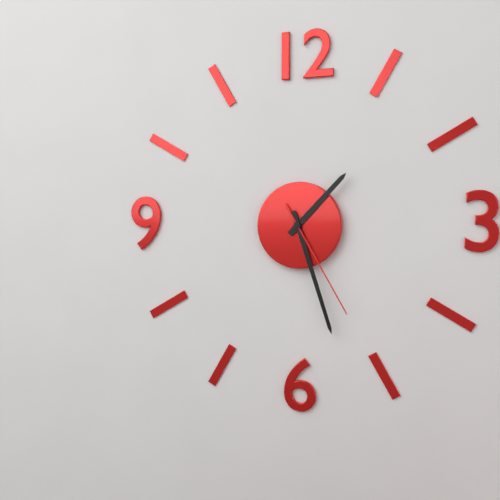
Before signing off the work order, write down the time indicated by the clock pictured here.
1:27:25
